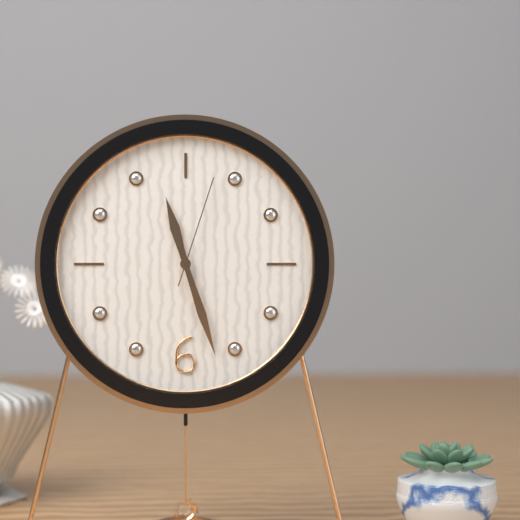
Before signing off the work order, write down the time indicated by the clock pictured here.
11:27:03
